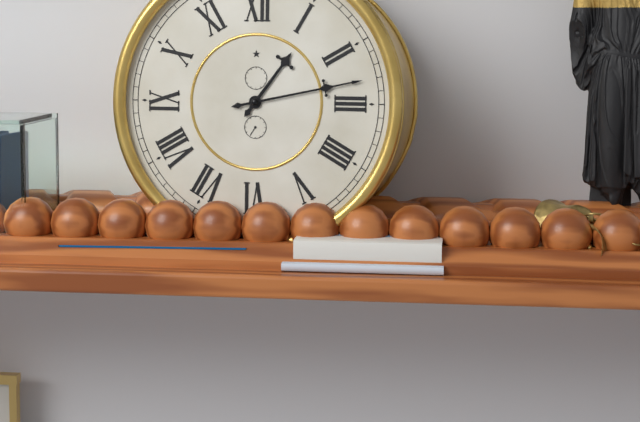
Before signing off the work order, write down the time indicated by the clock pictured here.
1:13
